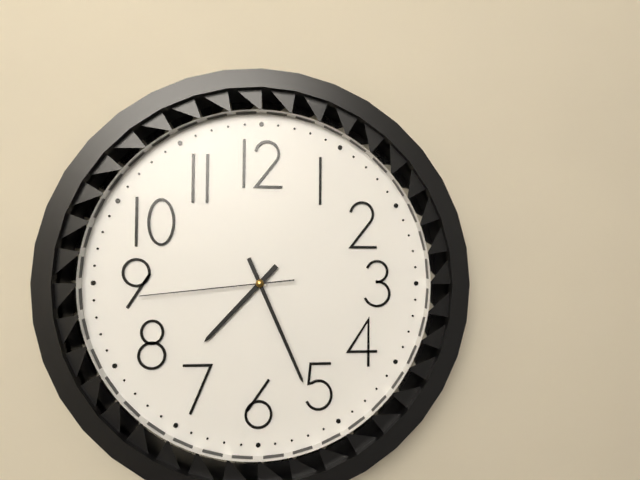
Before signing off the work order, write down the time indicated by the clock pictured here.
7:26:44
